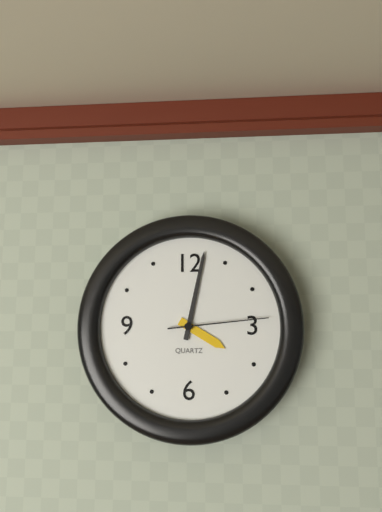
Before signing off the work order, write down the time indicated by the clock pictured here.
4:02:14
